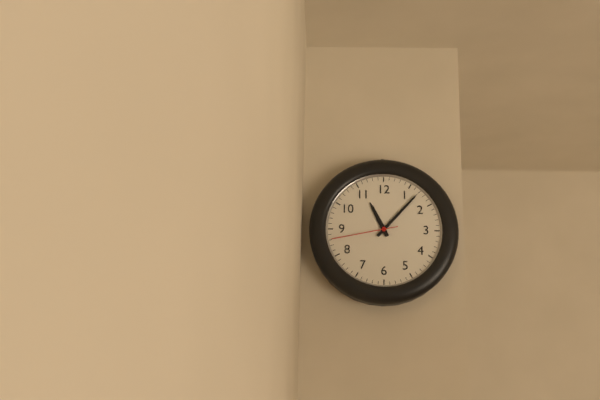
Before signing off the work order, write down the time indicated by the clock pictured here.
11:07:43
